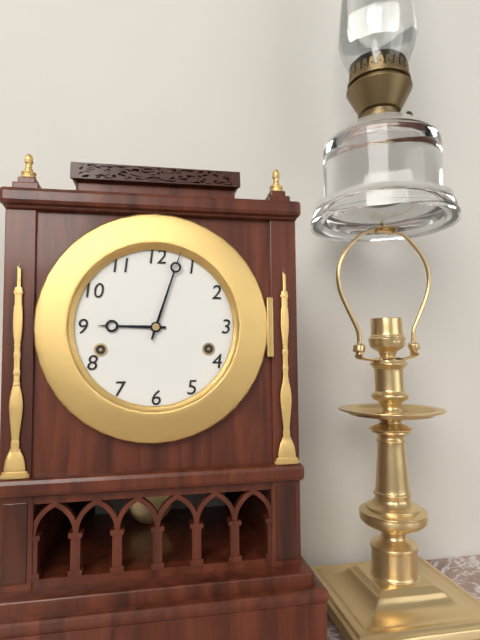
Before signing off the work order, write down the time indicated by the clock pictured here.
9:03
